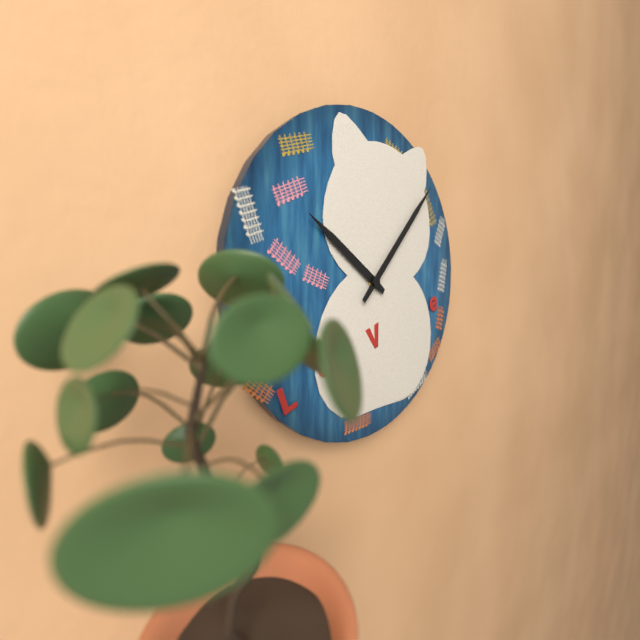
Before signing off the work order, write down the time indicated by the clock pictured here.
10:07
